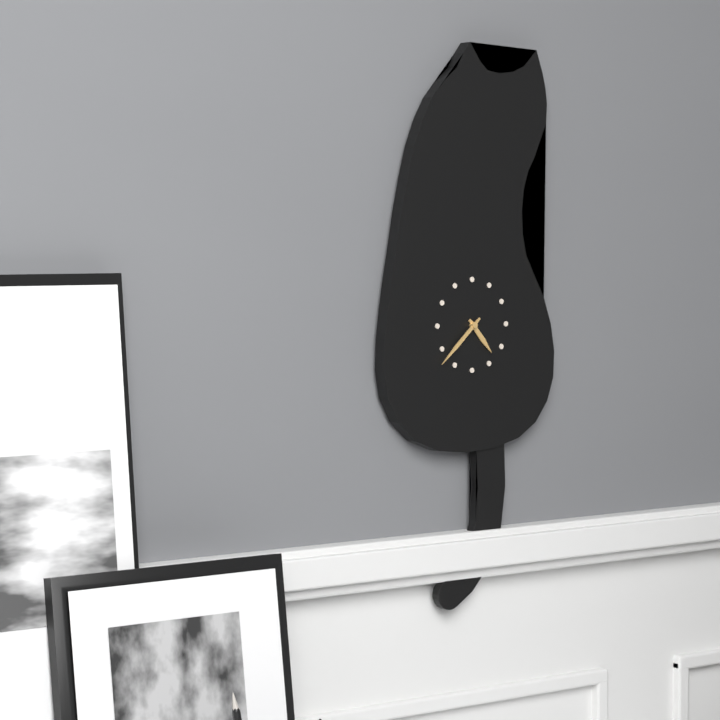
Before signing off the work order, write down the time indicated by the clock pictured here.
4:38
